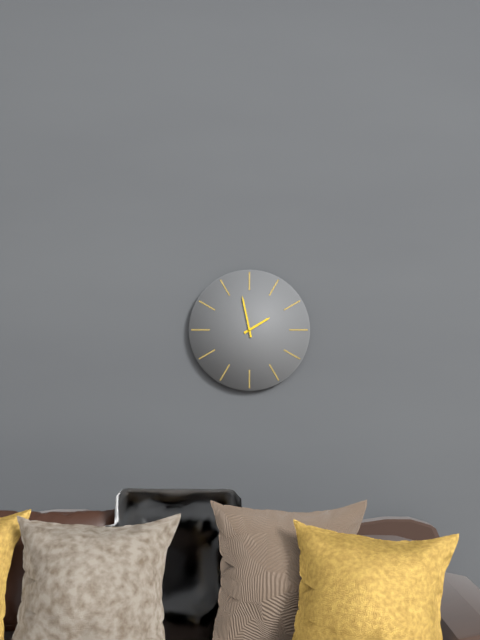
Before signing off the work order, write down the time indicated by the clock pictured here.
1:58
